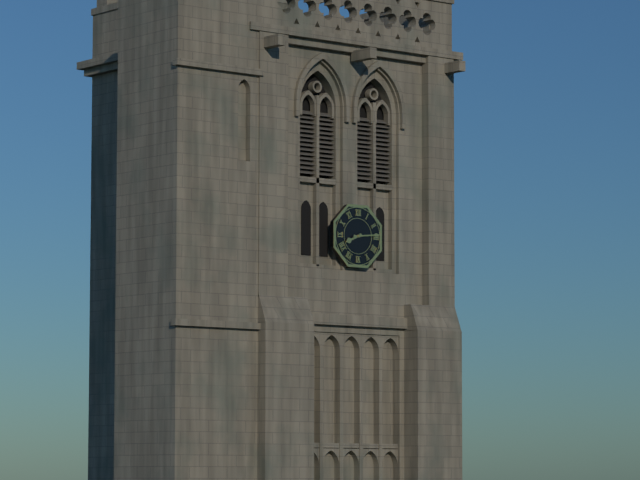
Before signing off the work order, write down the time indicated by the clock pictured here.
8:14
